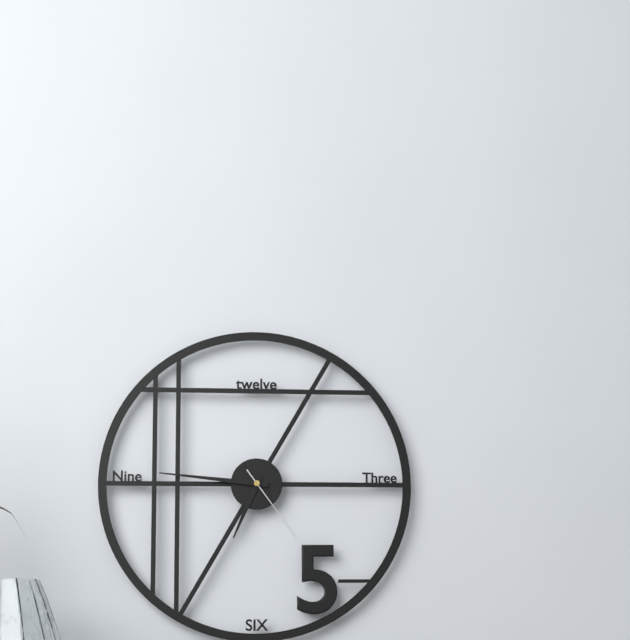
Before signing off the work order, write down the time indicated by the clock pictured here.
6:46:24
